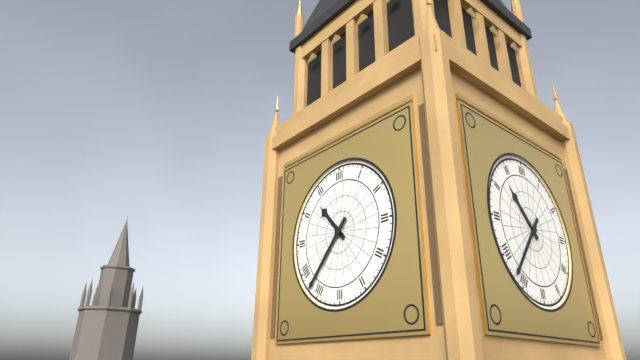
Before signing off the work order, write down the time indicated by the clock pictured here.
10:37
